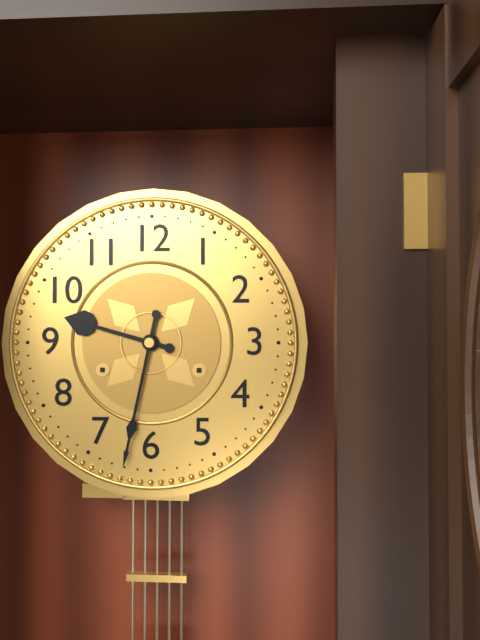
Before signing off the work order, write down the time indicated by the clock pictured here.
9:32
